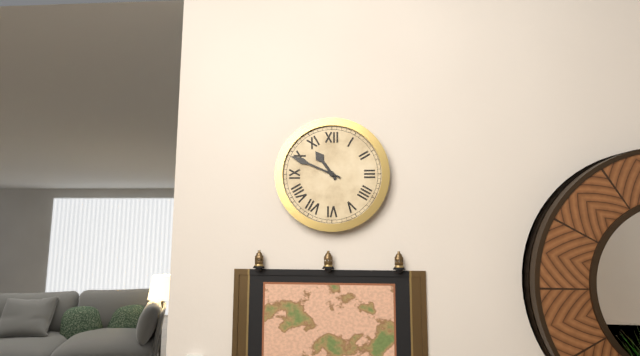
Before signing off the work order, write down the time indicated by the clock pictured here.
10:49
